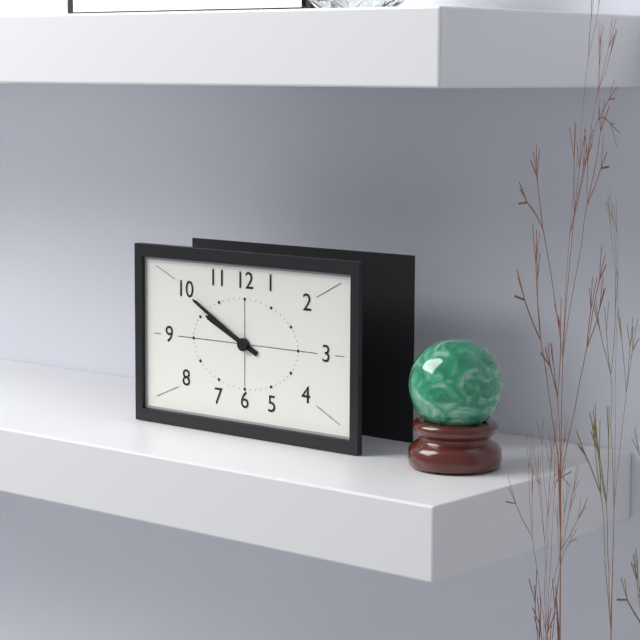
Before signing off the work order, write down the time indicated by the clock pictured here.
9:50
